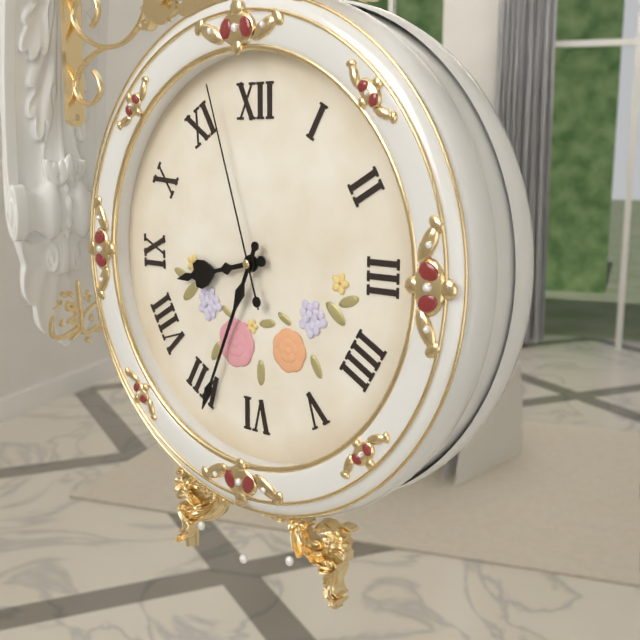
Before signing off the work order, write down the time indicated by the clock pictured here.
8:34:57
